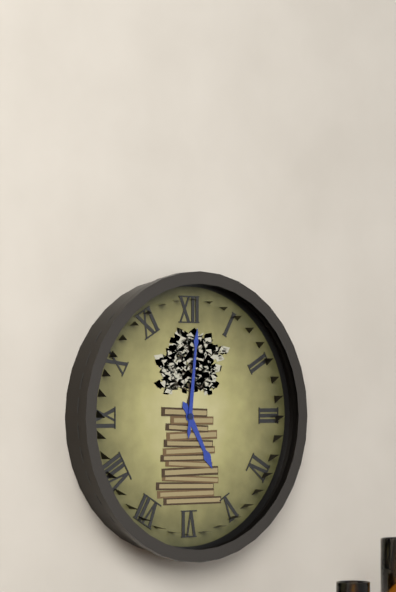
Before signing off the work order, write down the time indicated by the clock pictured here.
5:01
